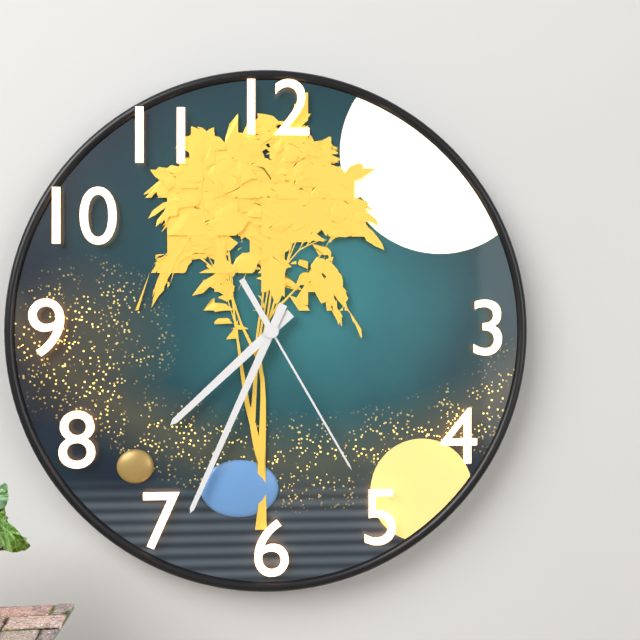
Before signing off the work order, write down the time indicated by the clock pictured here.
7:34:25
